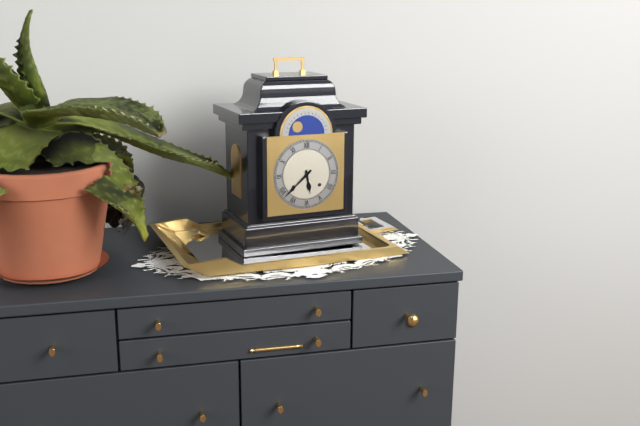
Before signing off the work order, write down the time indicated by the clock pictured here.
5:38
